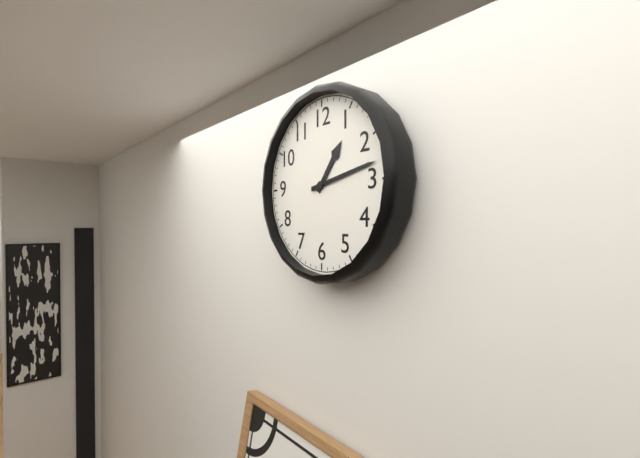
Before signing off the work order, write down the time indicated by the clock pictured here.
1:13
